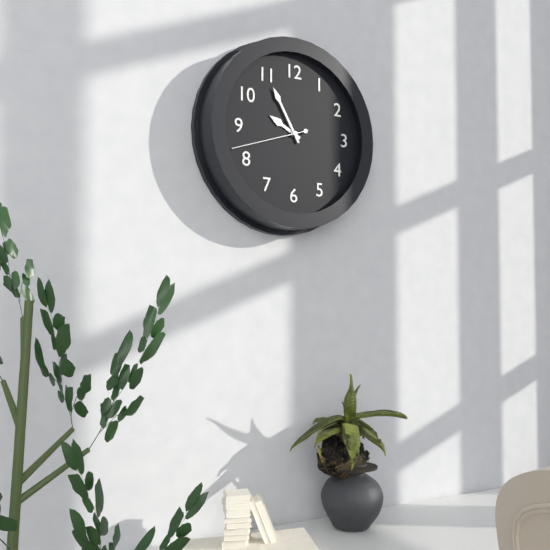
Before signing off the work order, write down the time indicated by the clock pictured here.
9:55:42
